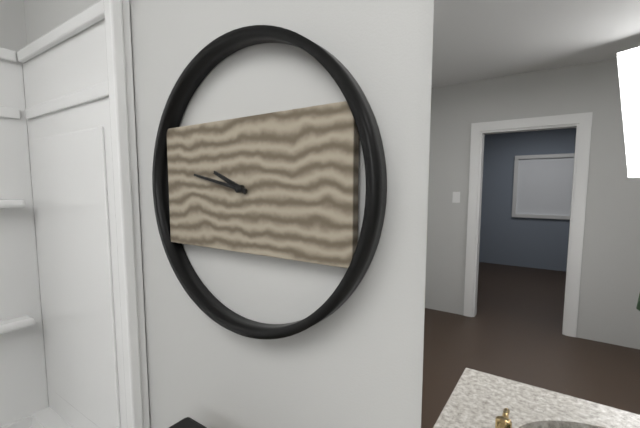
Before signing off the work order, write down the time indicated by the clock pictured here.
9:47
